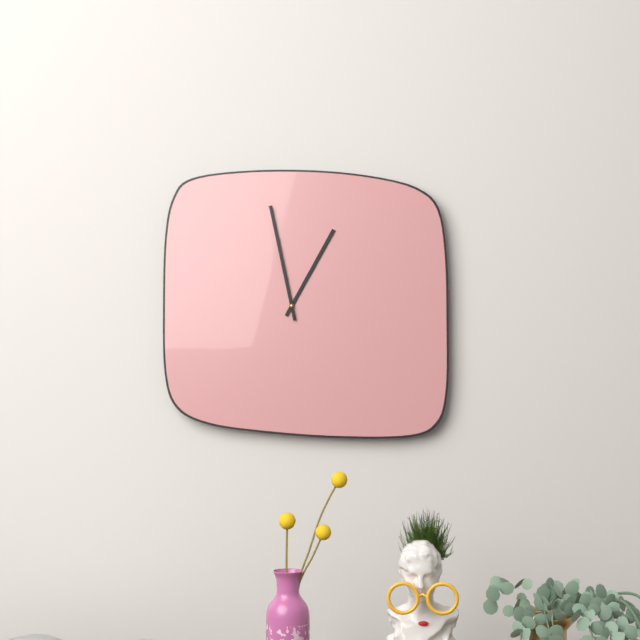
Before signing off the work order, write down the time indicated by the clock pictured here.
12:58
